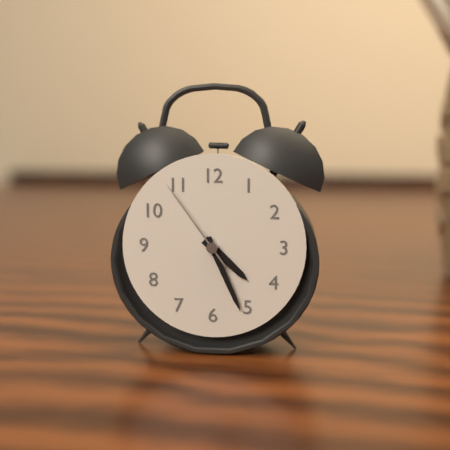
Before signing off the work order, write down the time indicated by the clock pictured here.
4:26:54
